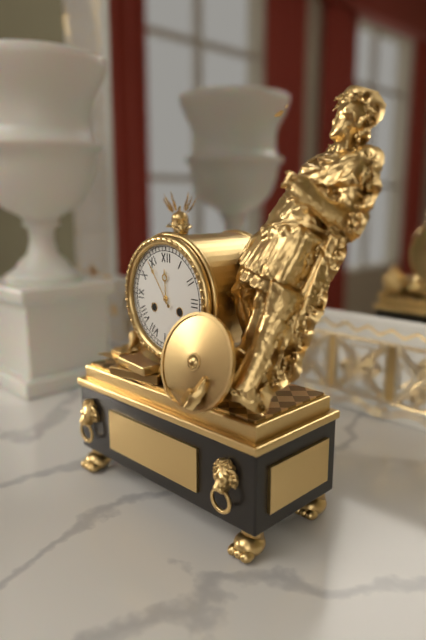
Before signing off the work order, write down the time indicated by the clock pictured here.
11:54
